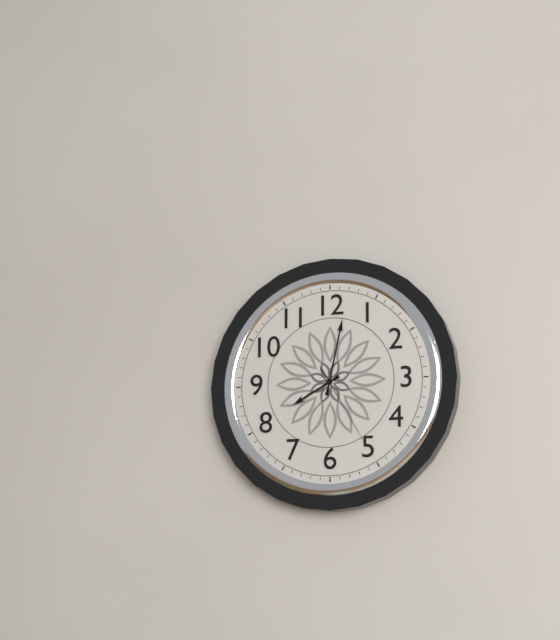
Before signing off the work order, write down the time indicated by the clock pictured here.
8:02:25
